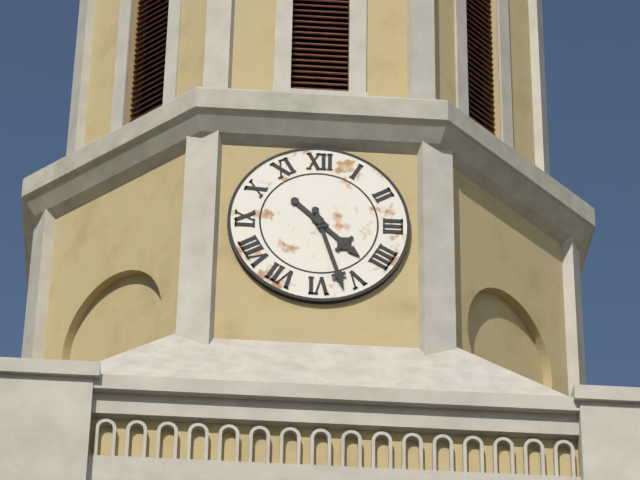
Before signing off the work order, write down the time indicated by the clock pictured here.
4:27
